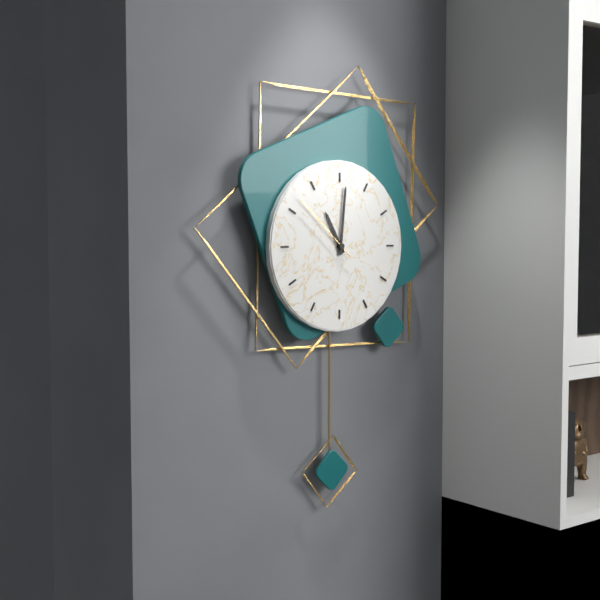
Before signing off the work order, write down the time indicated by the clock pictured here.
11:01:52
